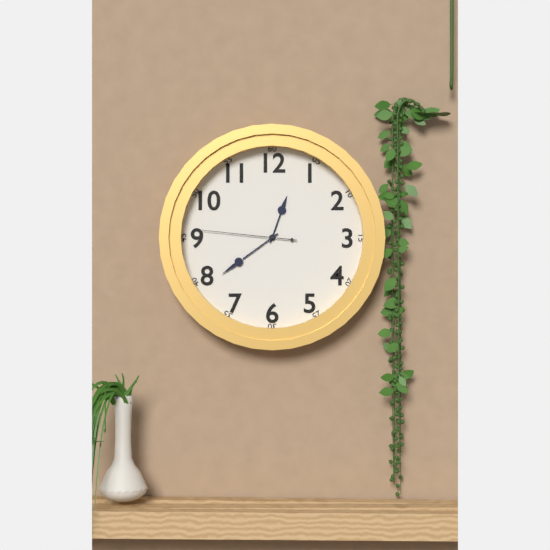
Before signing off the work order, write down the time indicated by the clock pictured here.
12:39:46
